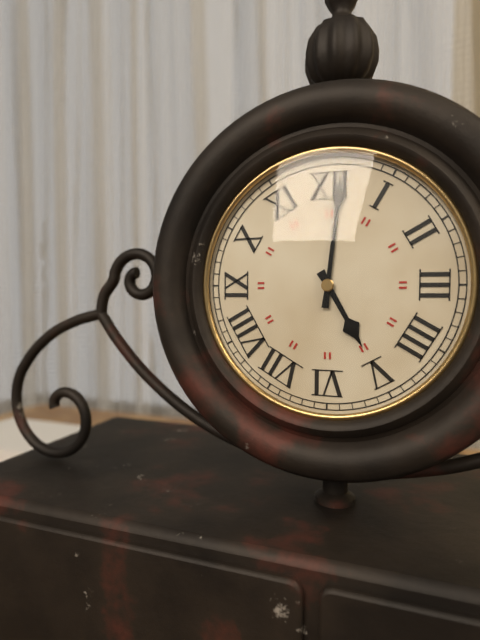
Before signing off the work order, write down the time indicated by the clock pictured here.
5:01
